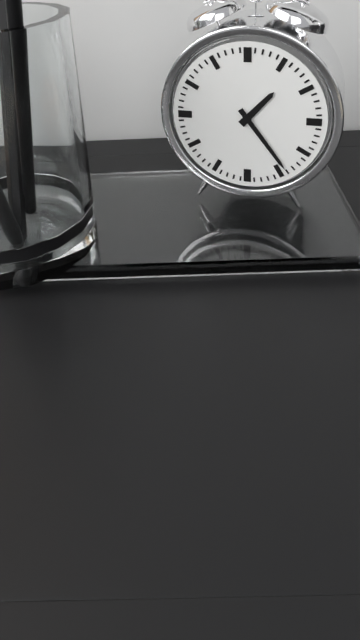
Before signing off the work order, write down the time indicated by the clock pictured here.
1:24
